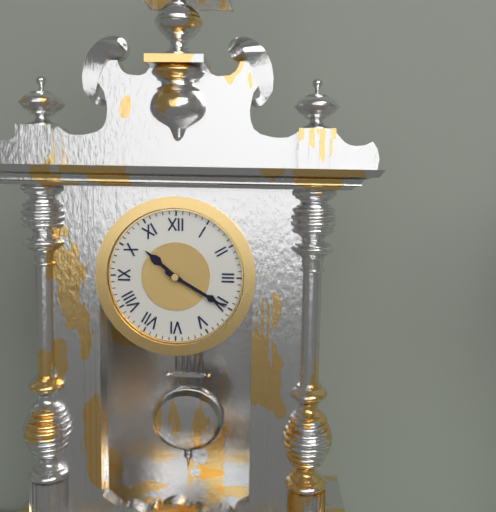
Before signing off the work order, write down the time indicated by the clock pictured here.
10:20
